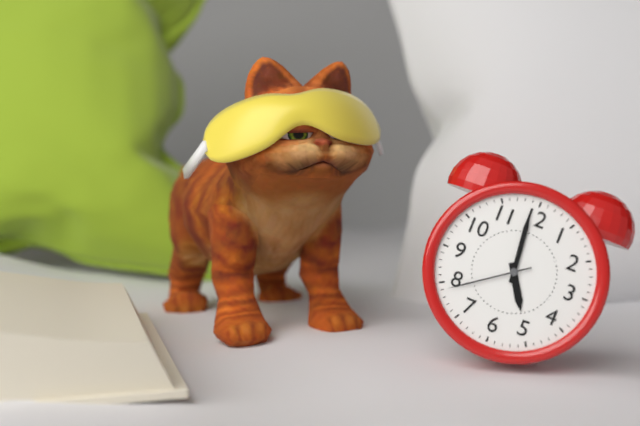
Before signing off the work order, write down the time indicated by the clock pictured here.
4:59:39
